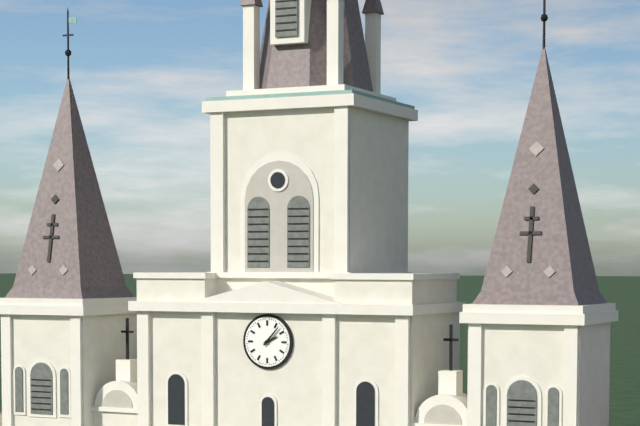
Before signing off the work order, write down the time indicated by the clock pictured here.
2:07
